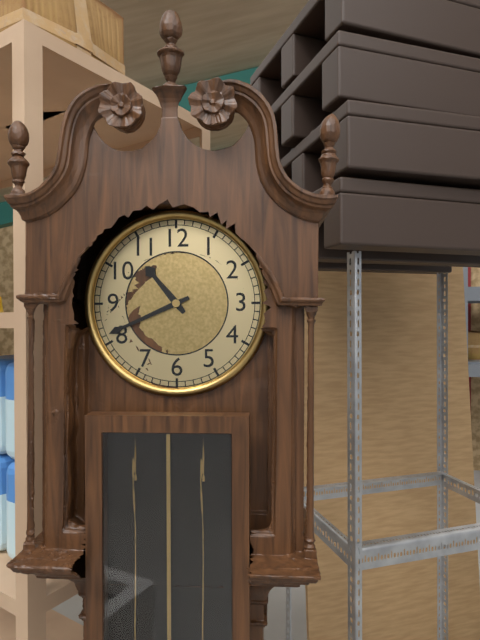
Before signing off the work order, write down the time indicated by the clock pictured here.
10:41
